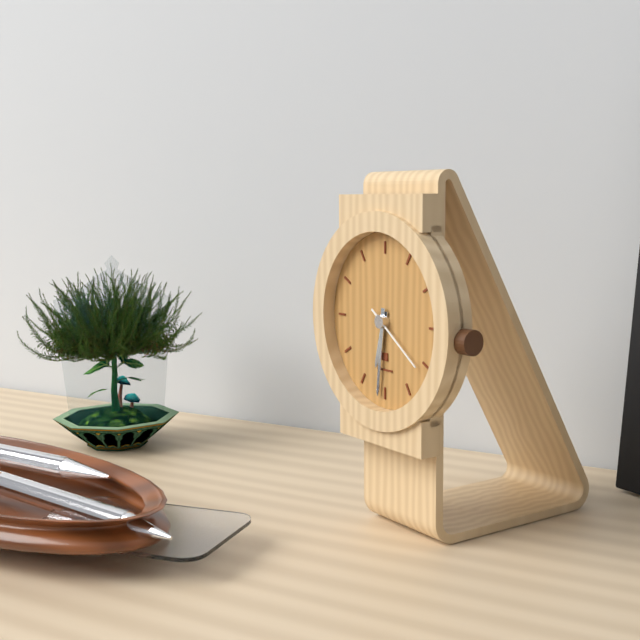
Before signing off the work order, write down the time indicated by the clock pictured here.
6:31:21
